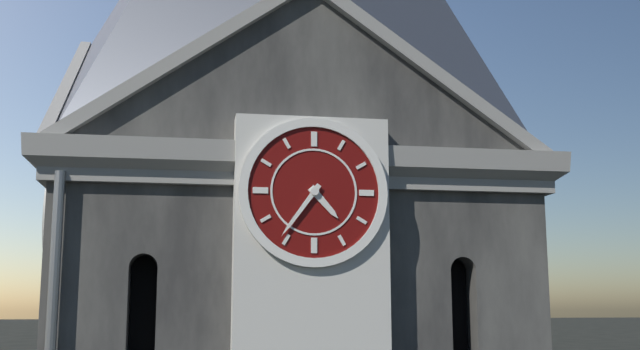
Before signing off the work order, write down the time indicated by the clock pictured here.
4:36
